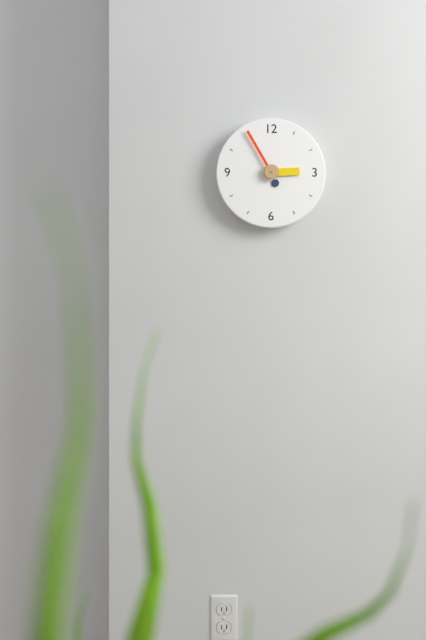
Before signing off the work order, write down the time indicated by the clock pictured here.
2:55
